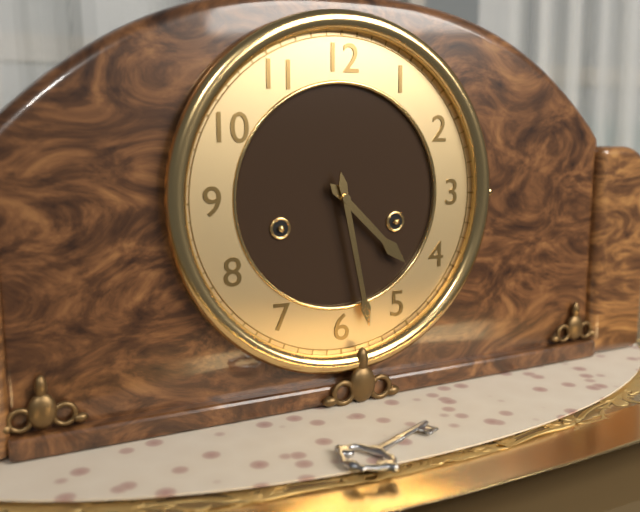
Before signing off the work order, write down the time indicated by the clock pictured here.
4:28
